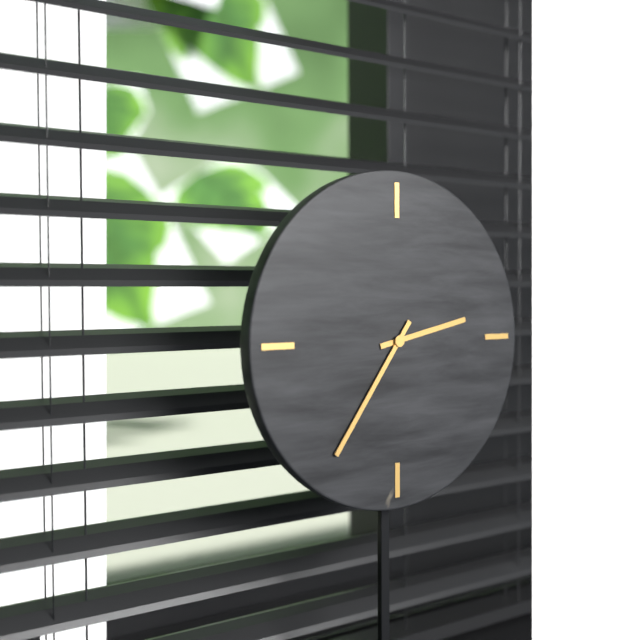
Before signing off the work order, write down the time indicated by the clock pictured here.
2:36
